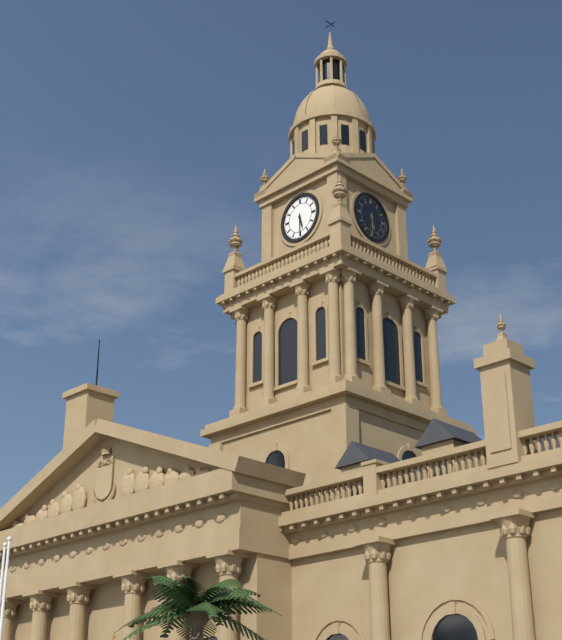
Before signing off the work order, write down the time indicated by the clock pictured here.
5:30
